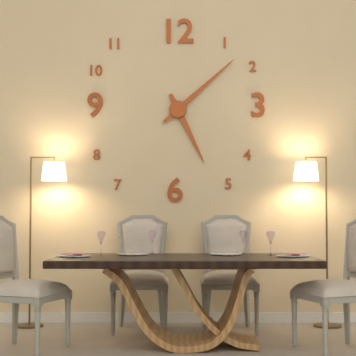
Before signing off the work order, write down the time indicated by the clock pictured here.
5:08
